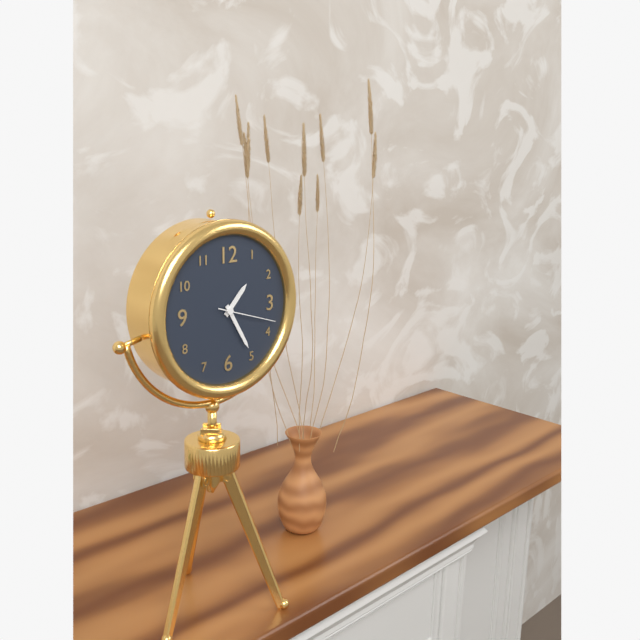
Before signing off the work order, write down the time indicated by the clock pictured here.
1:25:18
